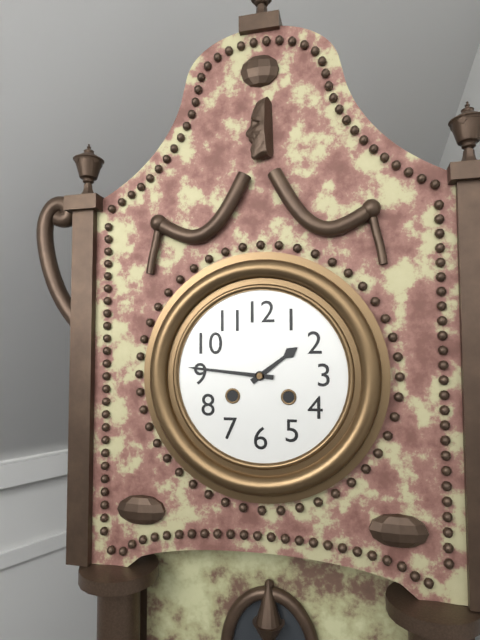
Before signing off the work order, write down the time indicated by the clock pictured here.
1:46
